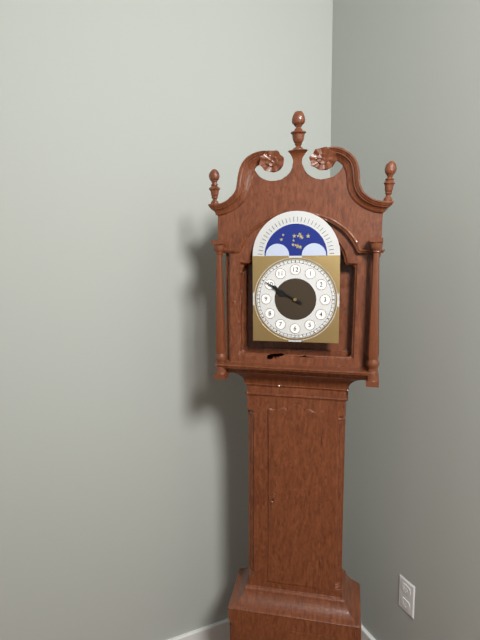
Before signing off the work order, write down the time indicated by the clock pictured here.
9:50
